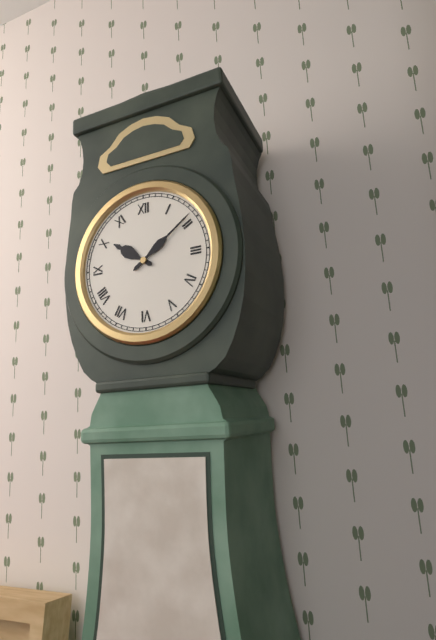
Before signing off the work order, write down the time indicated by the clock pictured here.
10:09
